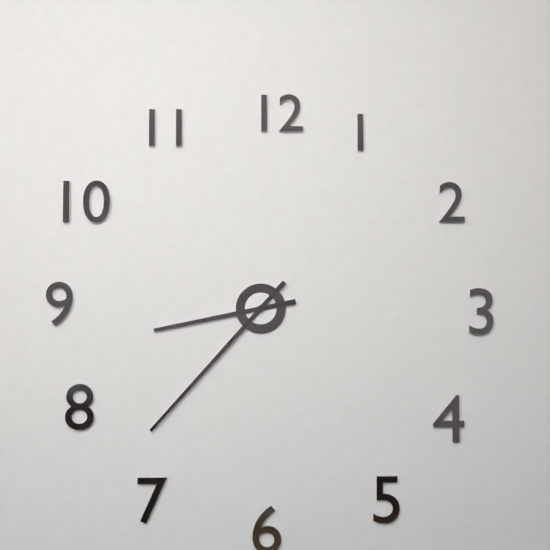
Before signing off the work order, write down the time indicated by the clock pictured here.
8:37
